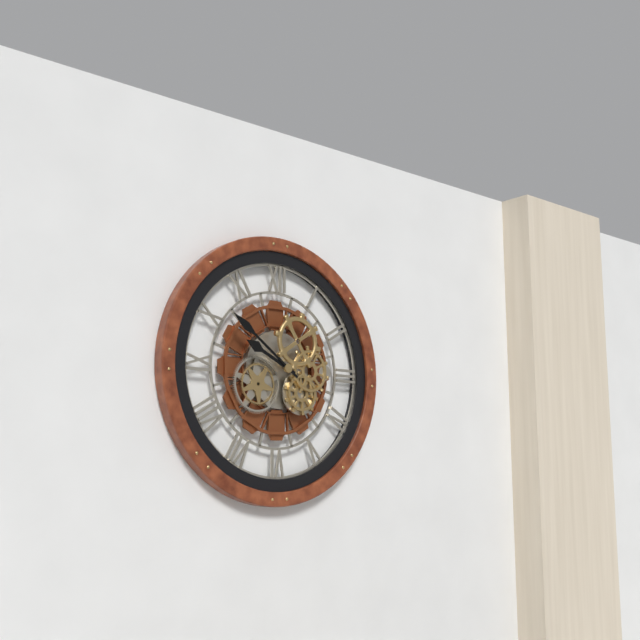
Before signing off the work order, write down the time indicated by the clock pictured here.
9:51
